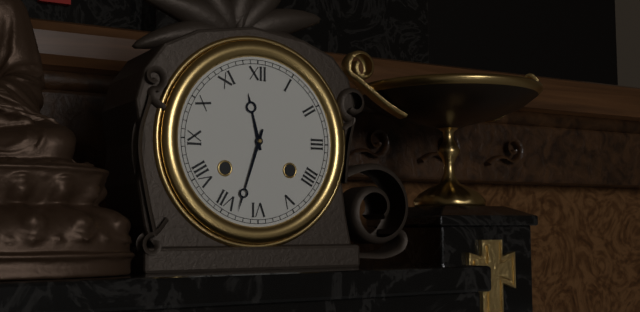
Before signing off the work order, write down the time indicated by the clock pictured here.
11:33
